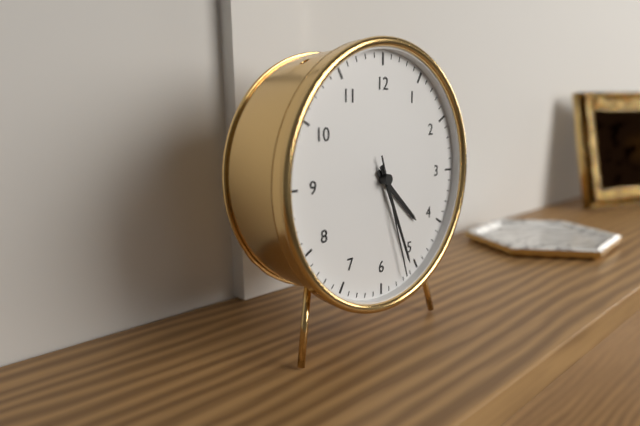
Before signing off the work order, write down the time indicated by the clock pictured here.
4:26:27
